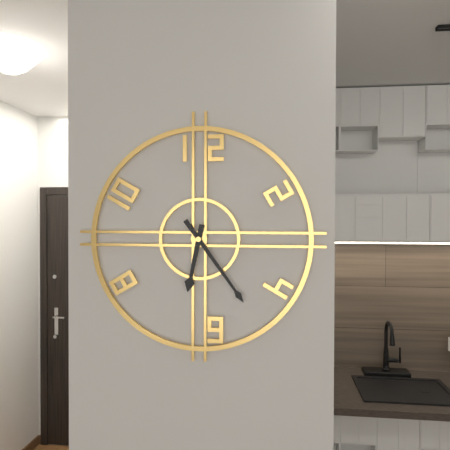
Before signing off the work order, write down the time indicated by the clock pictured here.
6:24
